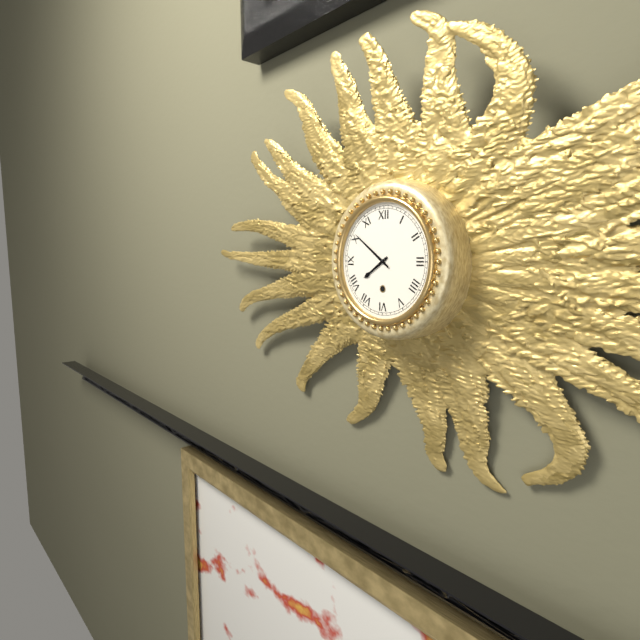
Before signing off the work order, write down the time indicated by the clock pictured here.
7:51
